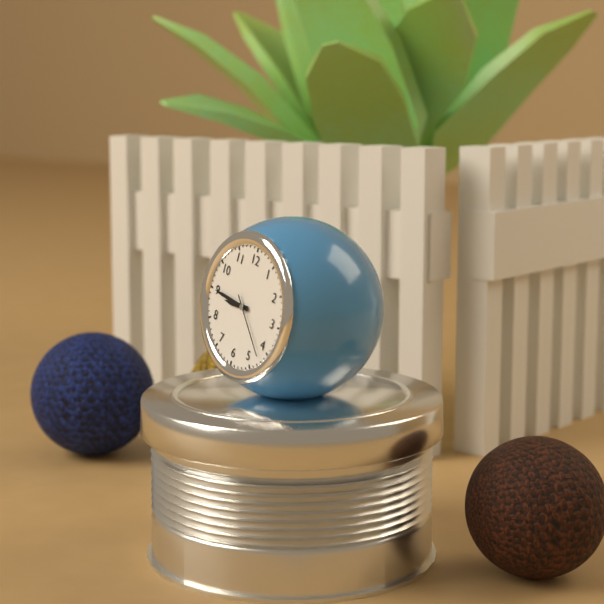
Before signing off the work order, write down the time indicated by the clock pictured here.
8:45:22
